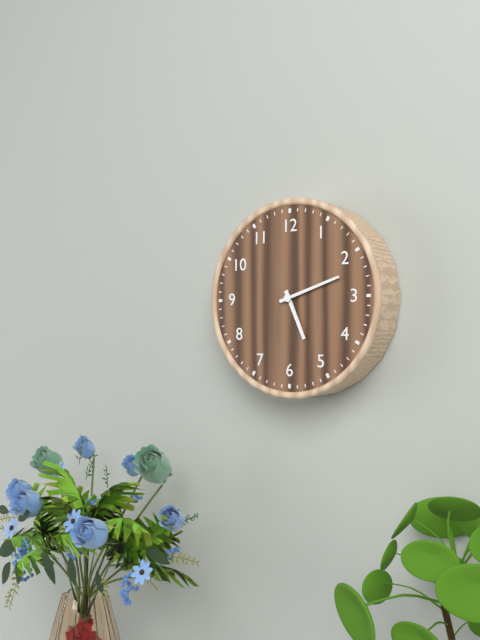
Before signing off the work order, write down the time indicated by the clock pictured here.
5:12
